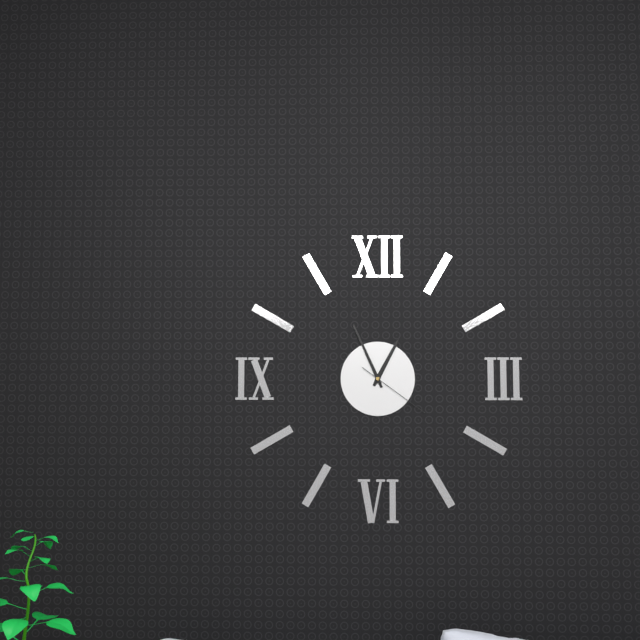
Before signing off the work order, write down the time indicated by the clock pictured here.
12:56:21
